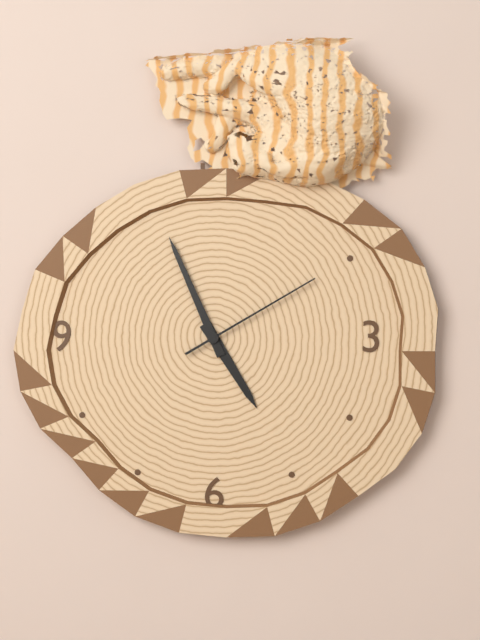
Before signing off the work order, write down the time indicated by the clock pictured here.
4:56:10
